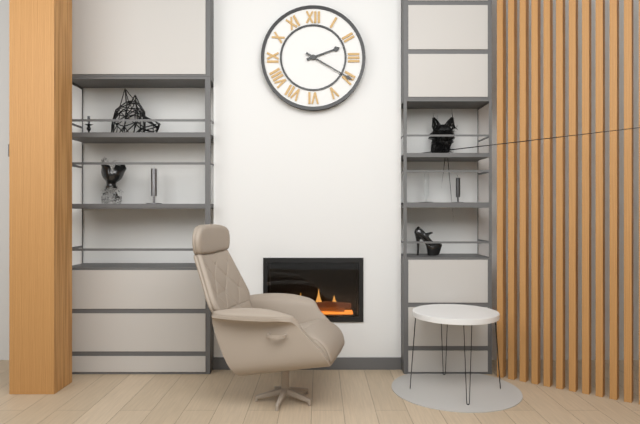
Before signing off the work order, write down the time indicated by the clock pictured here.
2:20
